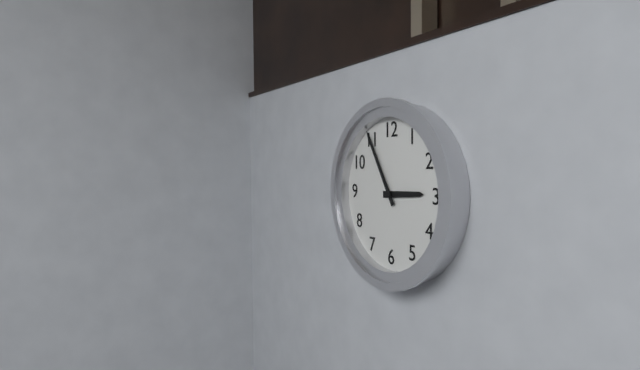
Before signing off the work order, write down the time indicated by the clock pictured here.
2:55
